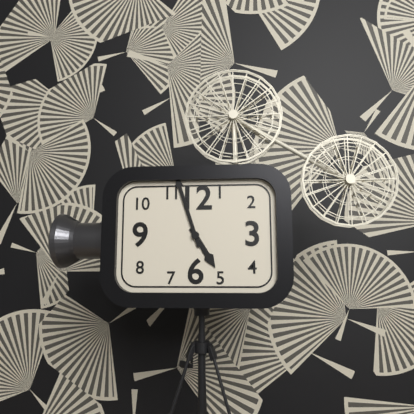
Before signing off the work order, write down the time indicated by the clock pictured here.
4:57
